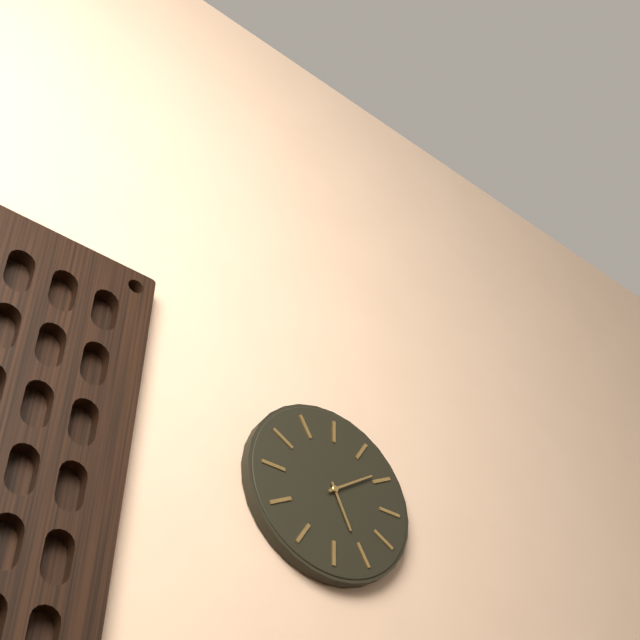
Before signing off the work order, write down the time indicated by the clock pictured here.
5:09
